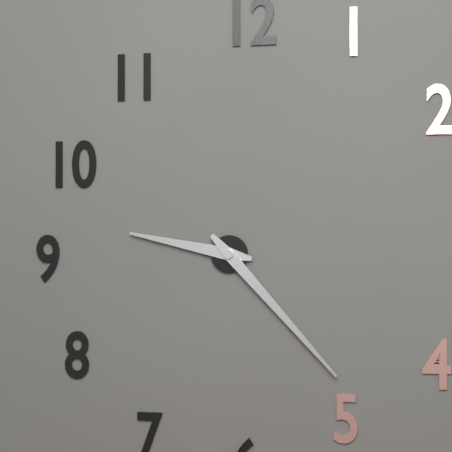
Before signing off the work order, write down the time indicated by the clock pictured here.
9:23
